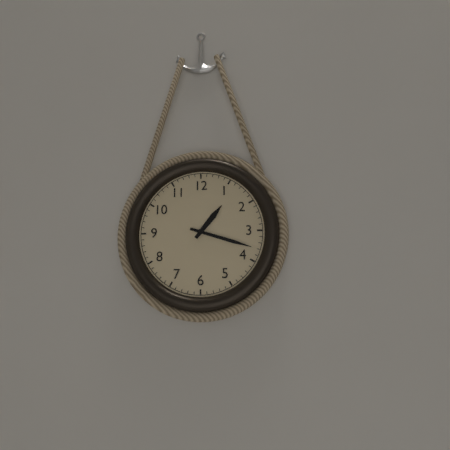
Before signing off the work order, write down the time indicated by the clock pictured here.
1:18
